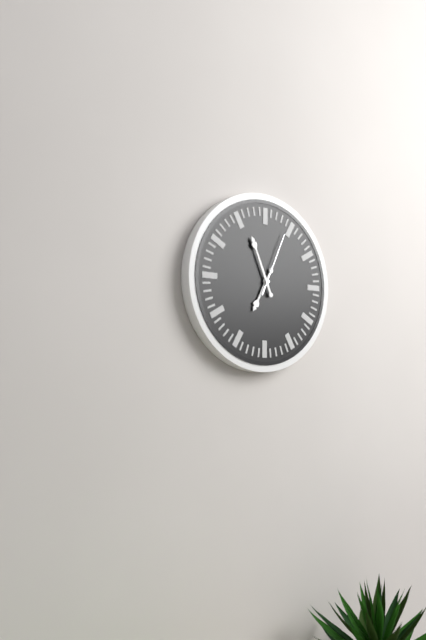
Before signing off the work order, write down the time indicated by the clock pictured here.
6:56:04
